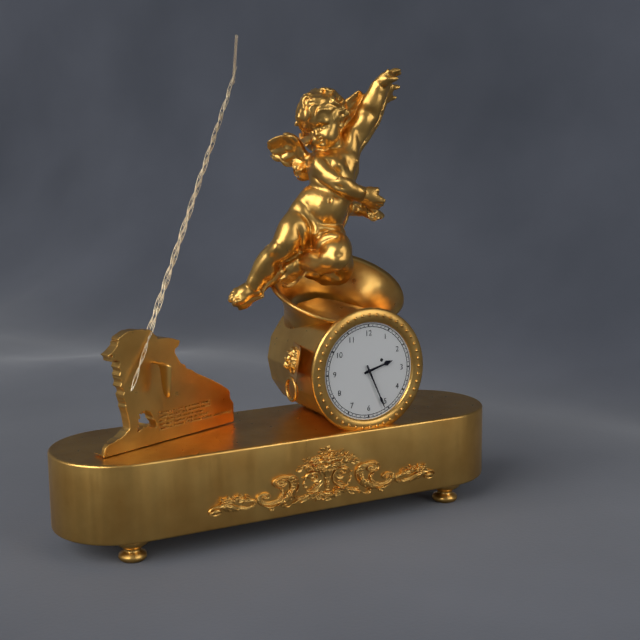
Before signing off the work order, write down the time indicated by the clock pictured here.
2:26
